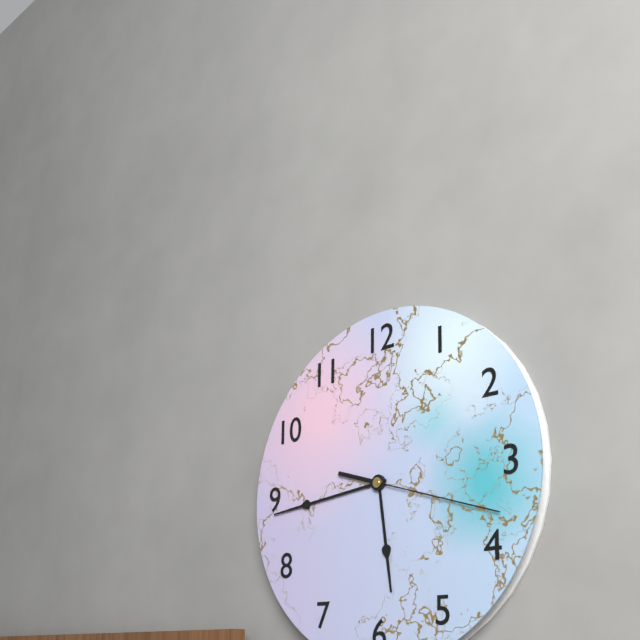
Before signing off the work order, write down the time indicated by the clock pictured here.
5:44:18
